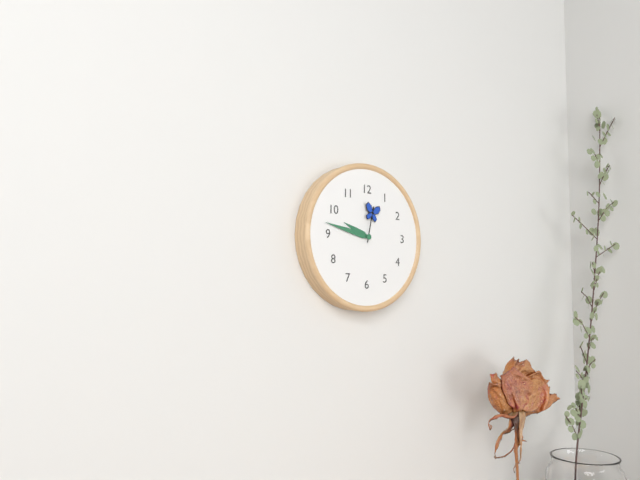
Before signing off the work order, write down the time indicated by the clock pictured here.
9:47
